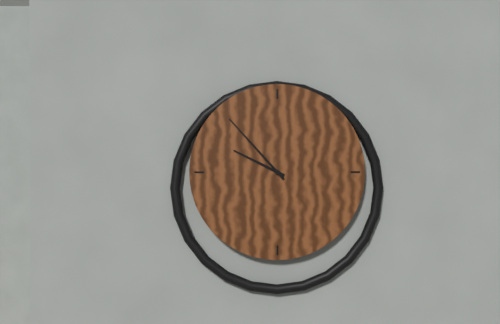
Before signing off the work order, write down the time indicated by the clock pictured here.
9:53
